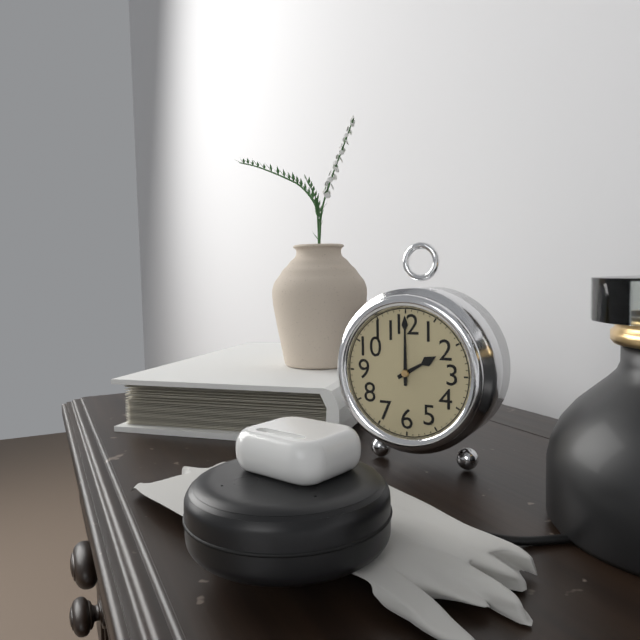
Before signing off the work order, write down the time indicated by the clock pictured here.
2:00
